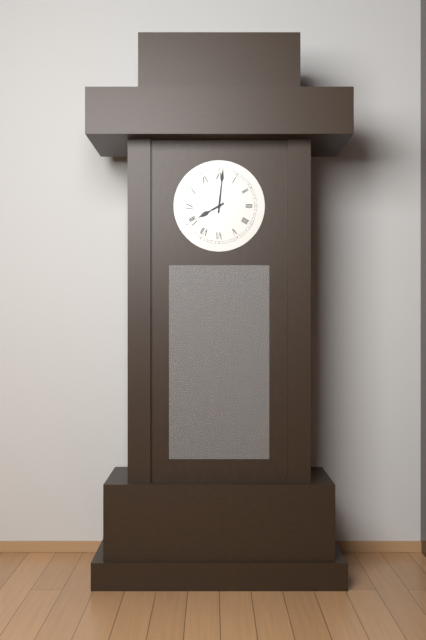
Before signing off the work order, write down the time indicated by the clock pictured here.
8:01
